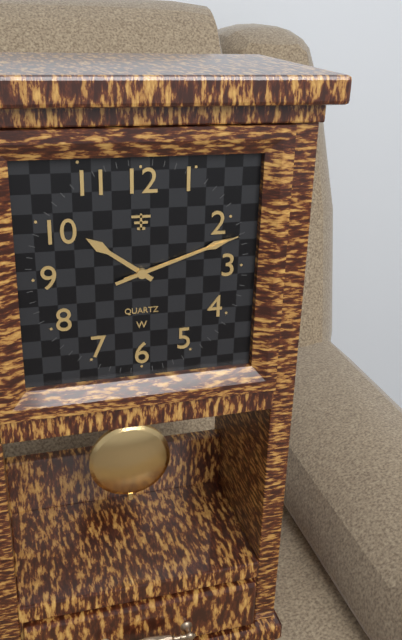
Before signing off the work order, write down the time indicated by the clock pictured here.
10:12:12
